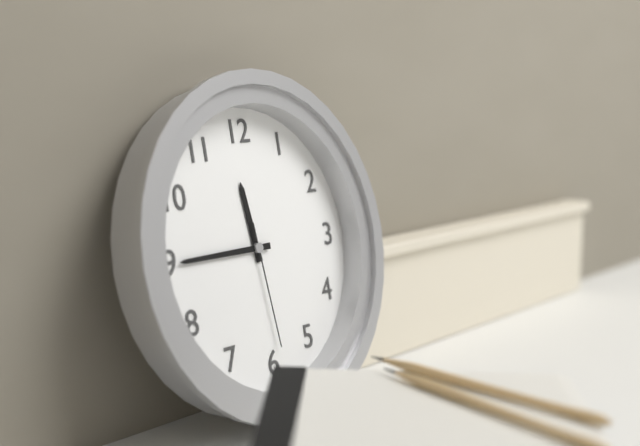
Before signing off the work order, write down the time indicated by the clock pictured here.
11:45:29
